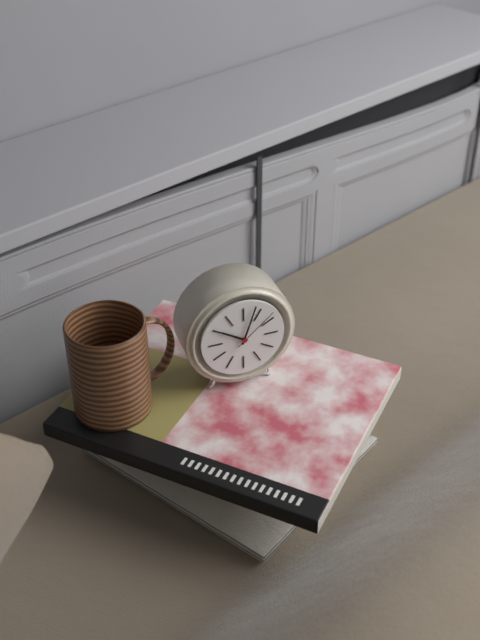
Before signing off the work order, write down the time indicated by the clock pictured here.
10:03
